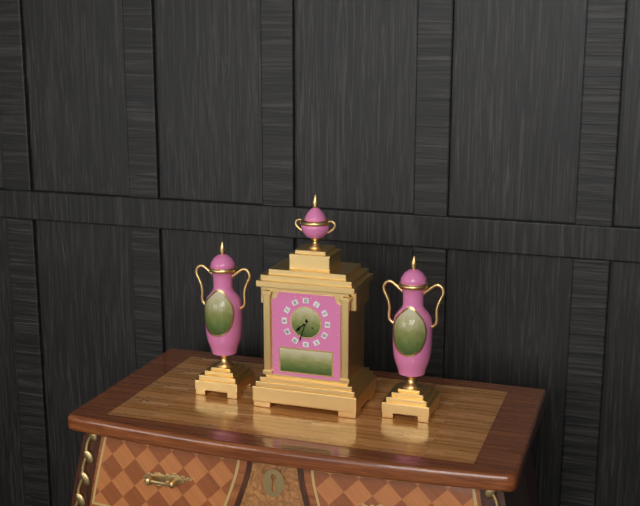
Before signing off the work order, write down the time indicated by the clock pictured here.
7:33
